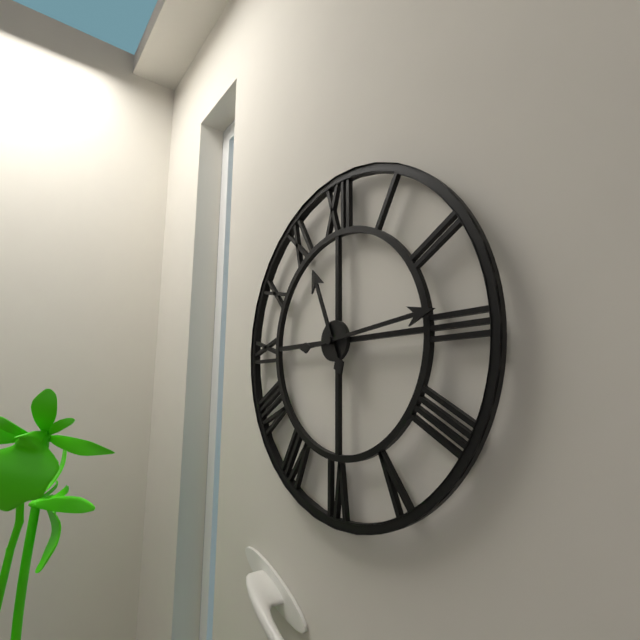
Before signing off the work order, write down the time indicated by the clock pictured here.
11:14
